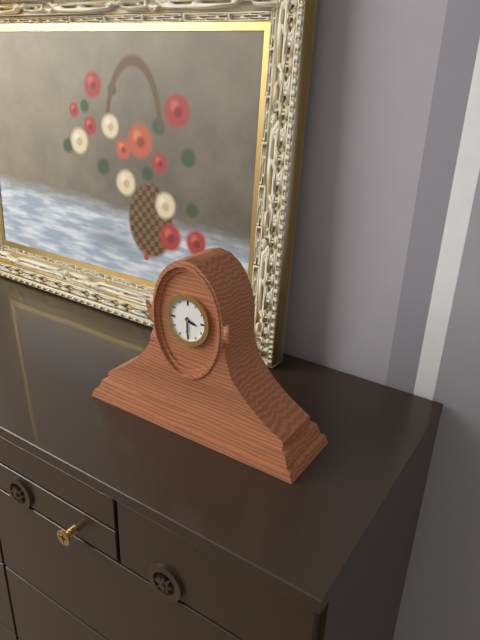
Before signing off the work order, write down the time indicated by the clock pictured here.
3:30
